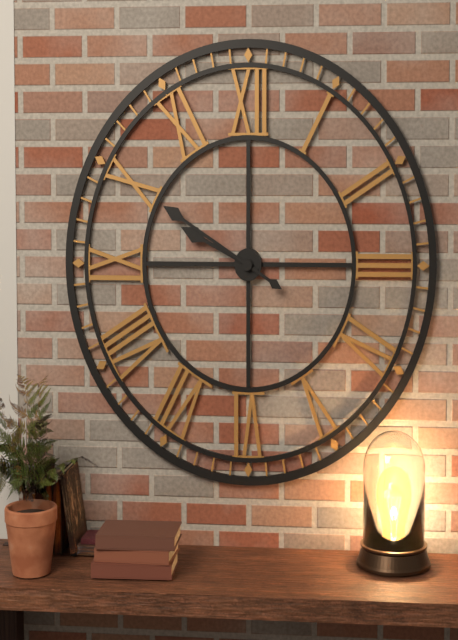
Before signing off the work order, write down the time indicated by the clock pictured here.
9:50
